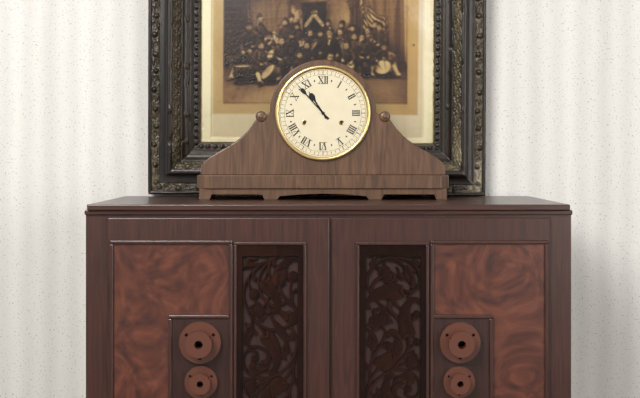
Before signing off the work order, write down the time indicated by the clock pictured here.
10:53
